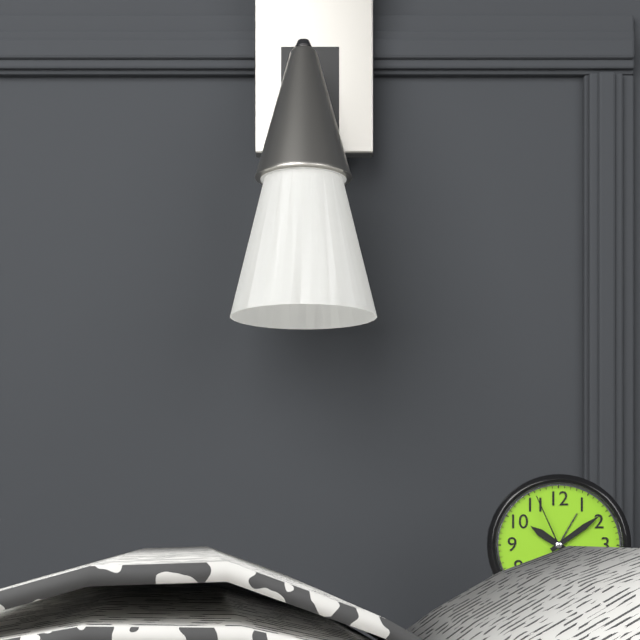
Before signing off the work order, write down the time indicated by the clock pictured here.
10:09:56
